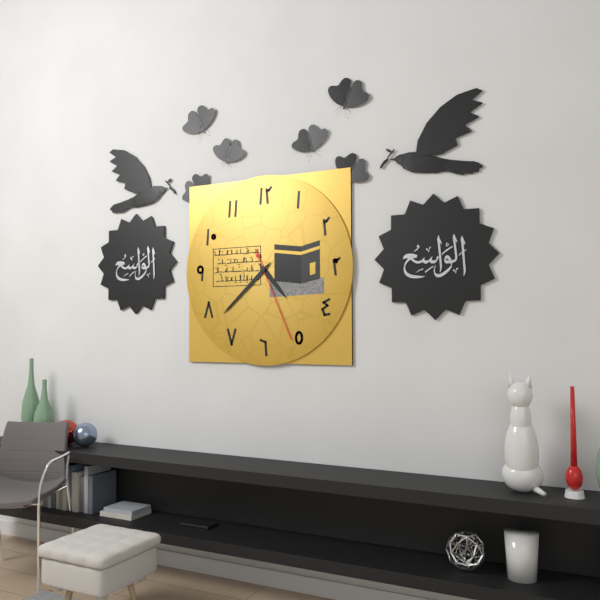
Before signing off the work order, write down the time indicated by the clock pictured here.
4:38:26
